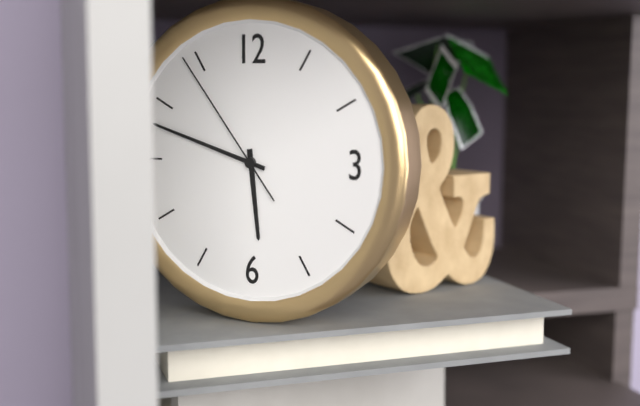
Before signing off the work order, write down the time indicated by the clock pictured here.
5:48:54
